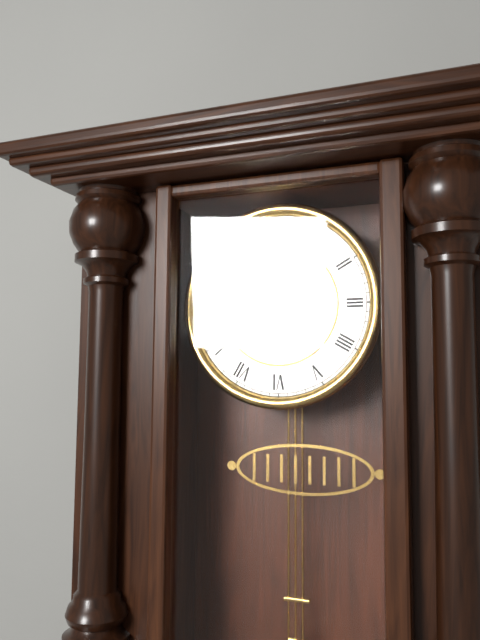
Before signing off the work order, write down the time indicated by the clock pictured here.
9:53
